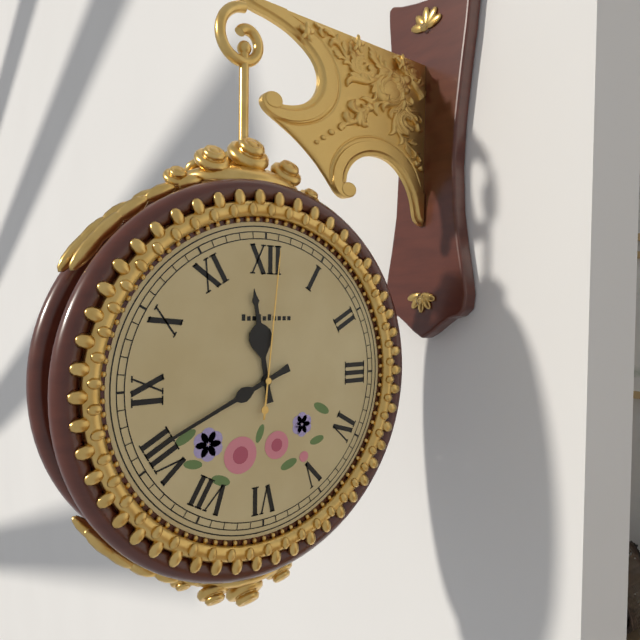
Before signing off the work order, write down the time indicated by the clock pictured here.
11:41:01
